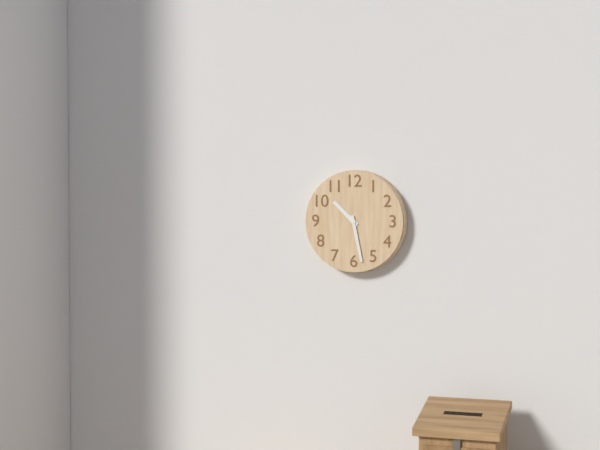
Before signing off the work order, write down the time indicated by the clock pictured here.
10:28
